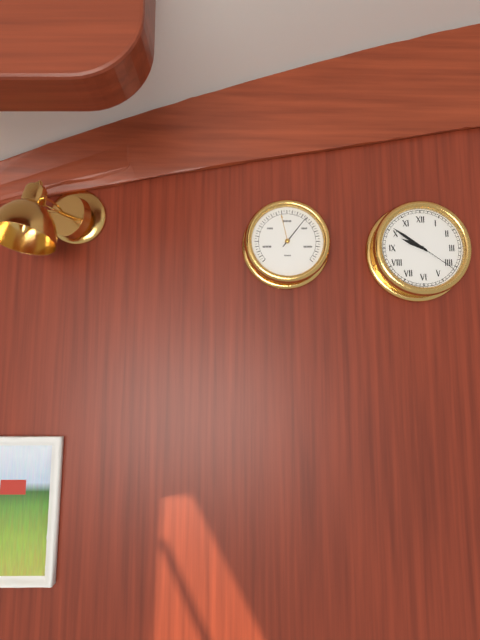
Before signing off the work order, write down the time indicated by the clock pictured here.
9:51
